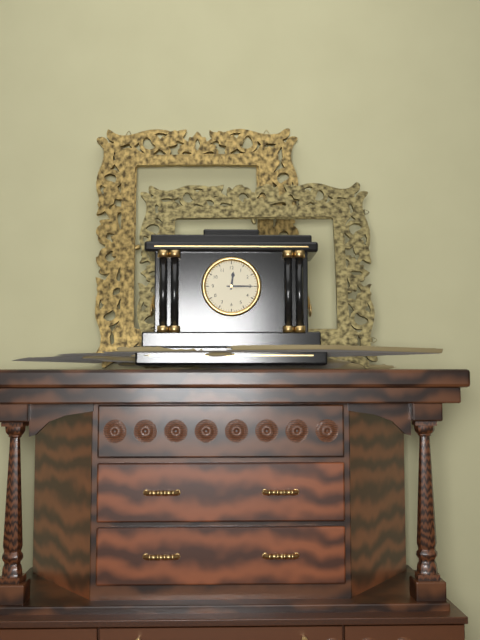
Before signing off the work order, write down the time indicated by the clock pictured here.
12:15
